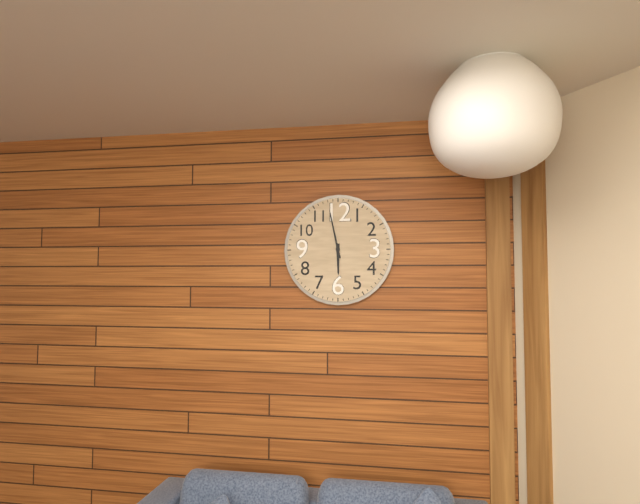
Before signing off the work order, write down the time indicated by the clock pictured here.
5:58
